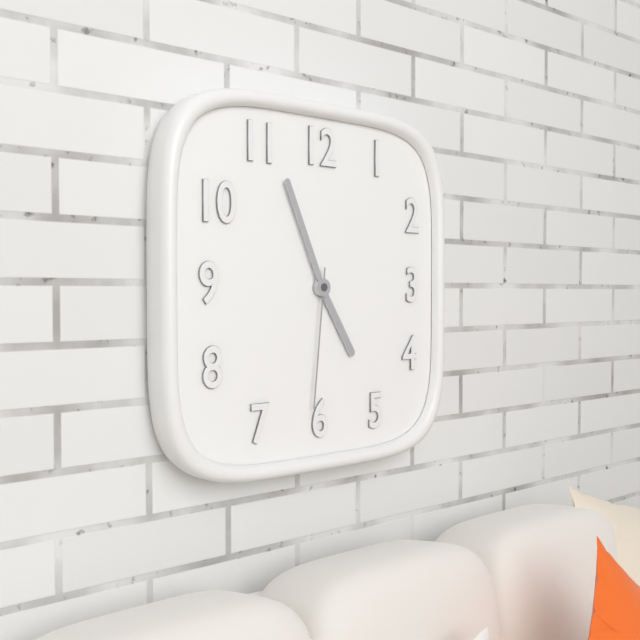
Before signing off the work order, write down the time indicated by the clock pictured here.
4:56:31
